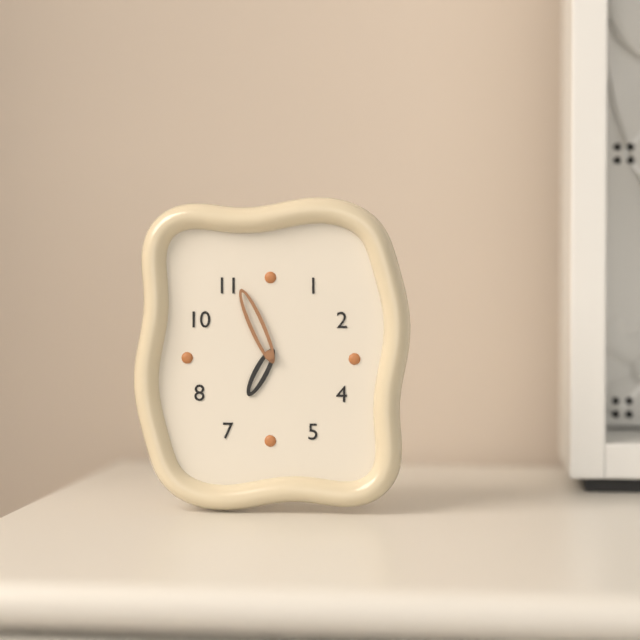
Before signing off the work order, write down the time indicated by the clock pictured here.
6:56
